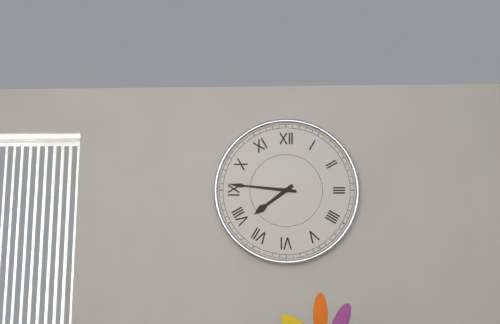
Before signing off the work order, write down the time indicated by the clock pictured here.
7:46
